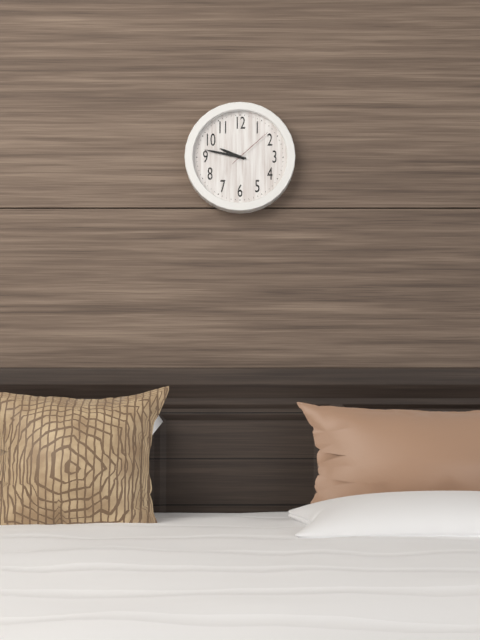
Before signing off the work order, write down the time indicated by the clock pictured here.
9:47
